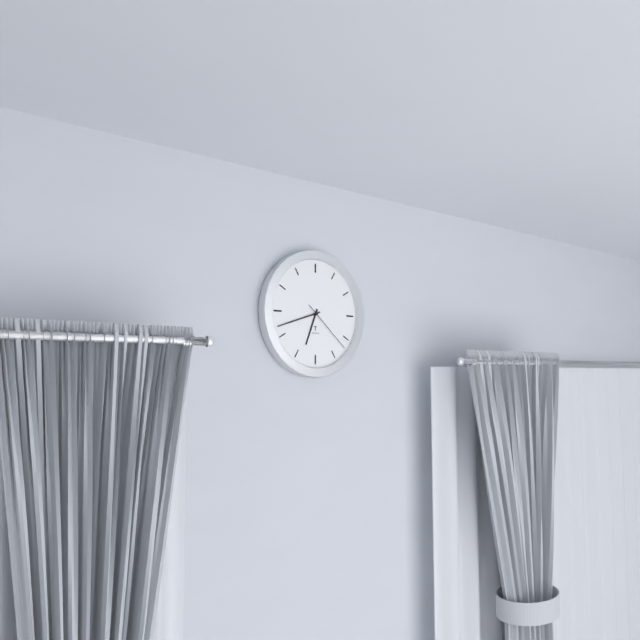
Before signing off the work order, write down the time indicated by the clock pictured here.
6:42:22
